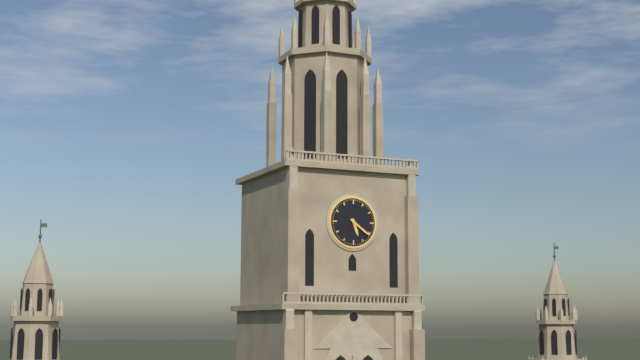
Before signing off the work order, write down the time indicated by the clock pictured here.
5:21
